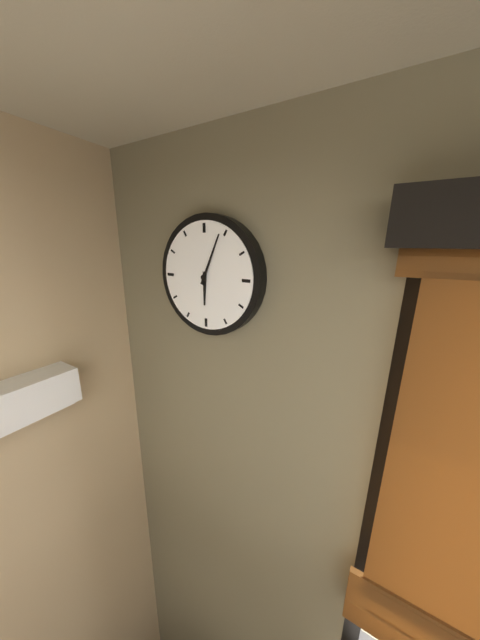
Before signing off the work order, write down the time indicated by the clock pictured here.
6:04
